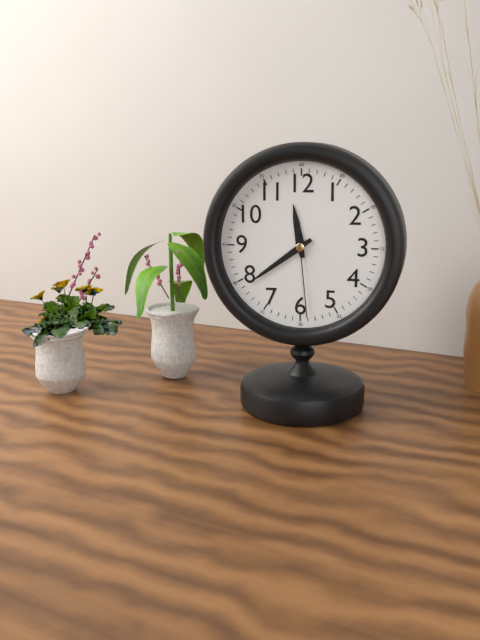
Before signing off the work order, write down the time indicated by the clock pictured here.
11:39:29
